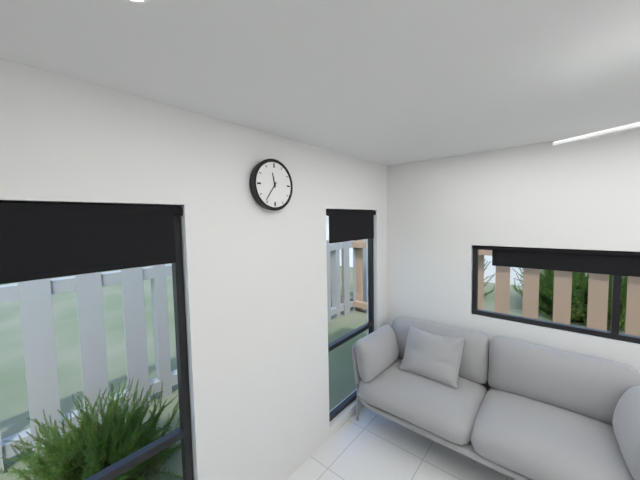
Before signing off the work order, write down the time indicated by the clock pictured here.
11:36
